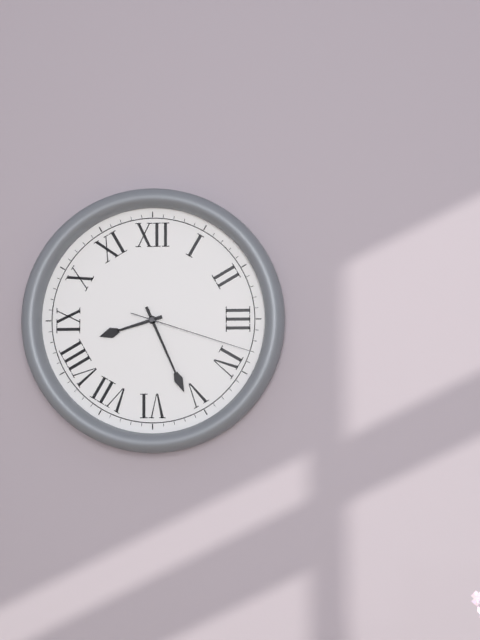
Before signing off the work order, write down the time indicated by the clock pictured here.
8:26:18
